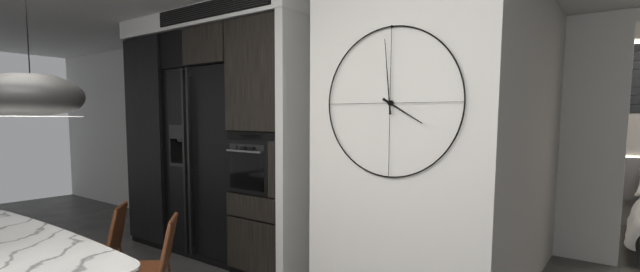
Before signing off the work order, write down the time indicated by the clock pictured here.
3:59
